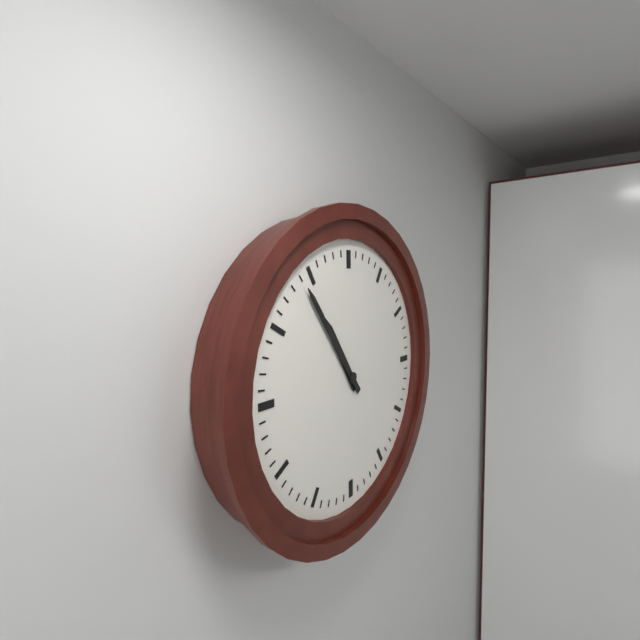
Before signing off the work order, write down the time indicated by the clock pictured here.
10:54
